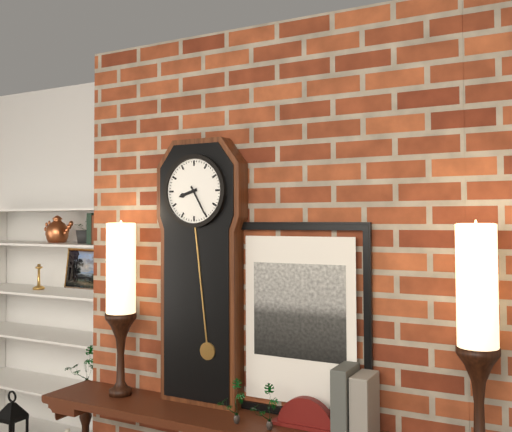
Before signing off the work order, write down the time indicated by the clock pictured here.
8:25
